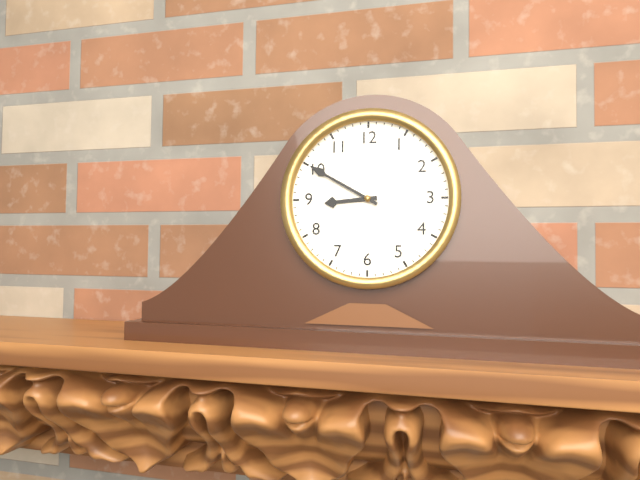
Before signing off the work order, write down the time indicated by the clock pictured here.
8:50
